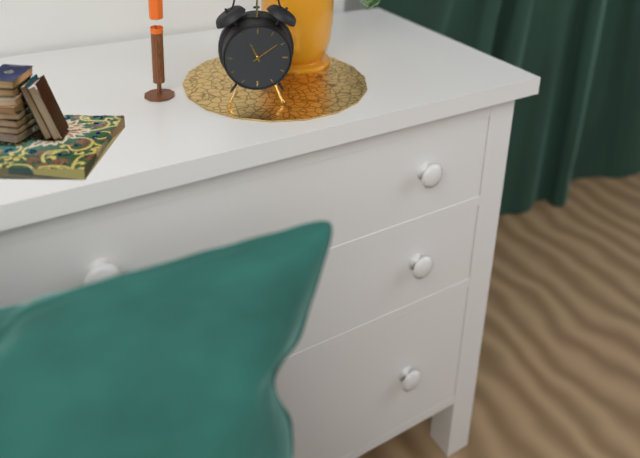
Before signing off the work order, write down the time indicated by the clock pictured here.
11:09
